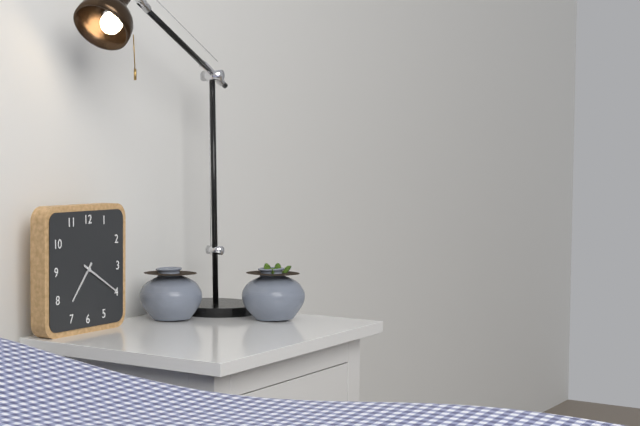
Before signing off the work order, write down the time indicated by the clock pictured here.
7:20
